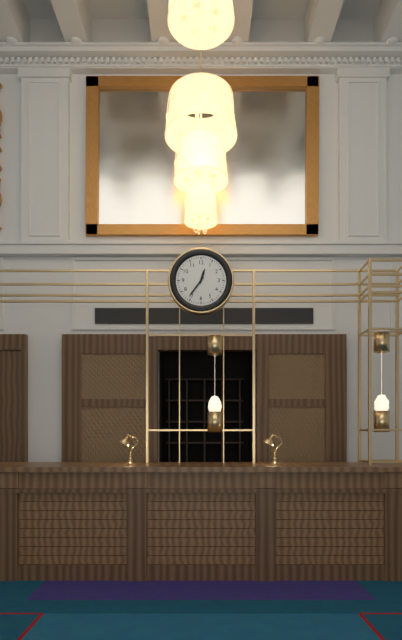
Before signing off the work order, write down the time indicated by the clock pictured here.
12:36
